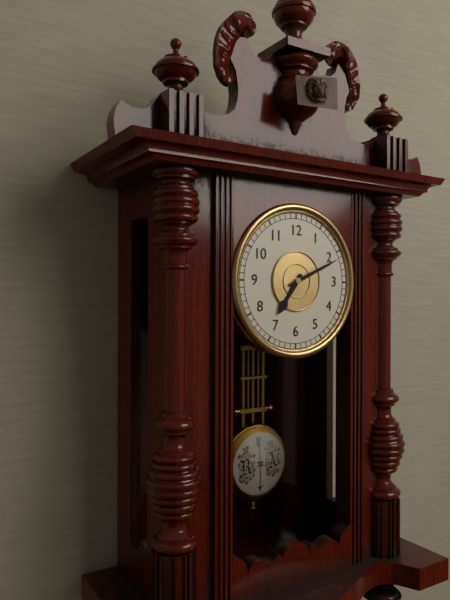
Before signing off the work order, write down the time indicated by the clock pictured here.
7:11
